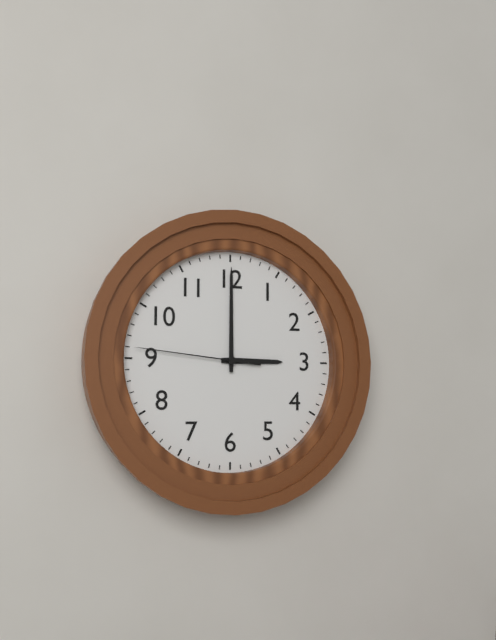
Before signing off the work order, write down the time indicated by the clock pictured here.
3:00:46
